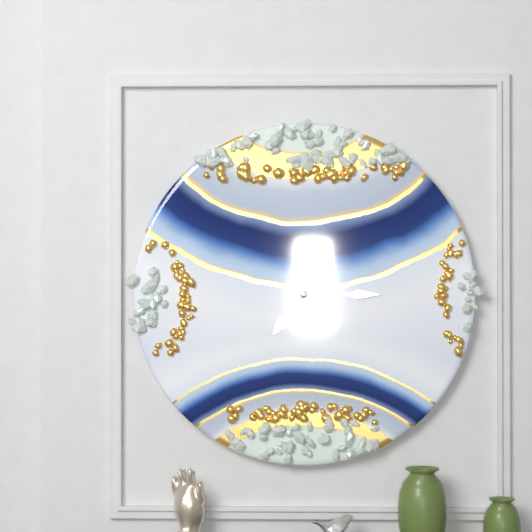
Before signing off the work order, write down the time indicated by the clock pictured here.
7:15
